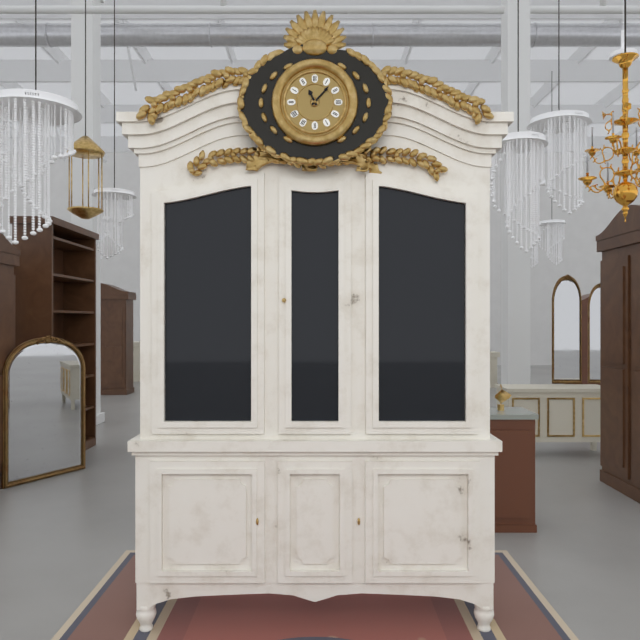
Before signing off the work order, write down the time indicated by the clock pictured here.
11:07
